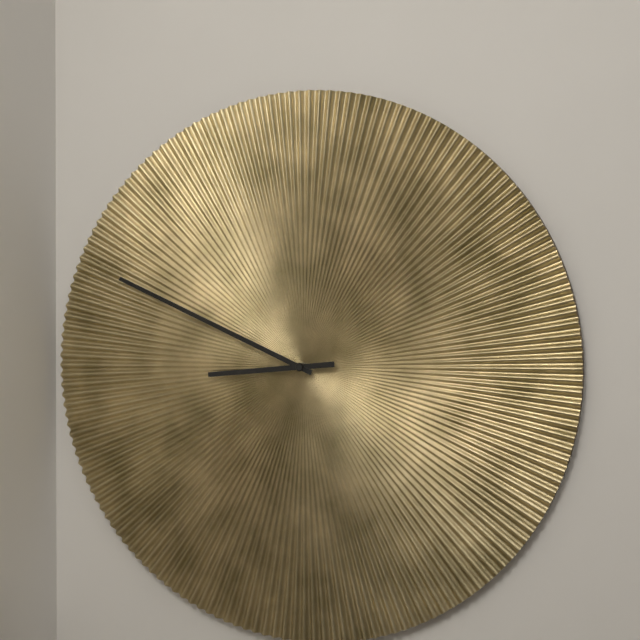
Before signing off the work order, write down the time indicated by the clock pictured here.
8:49
